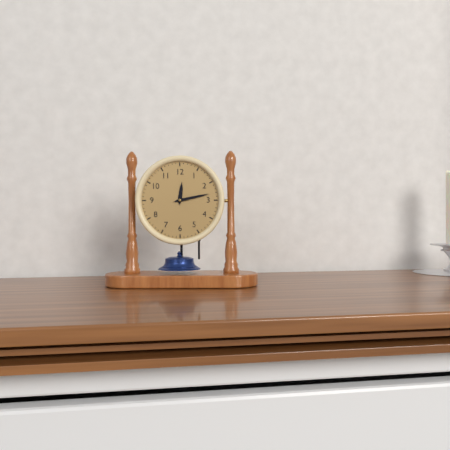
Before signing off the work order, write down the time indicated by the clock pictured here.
12:13
